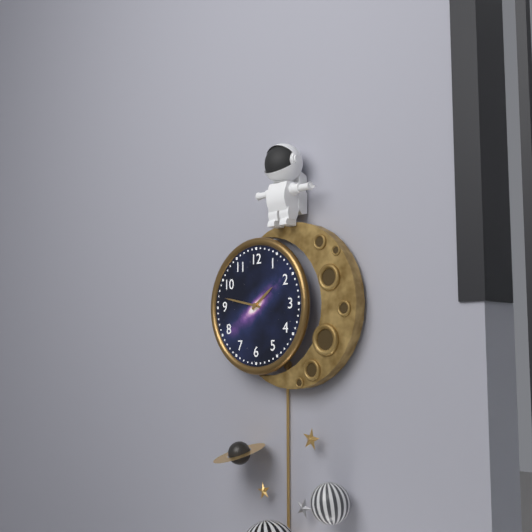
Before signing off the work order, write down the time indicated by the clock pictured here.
1:47
